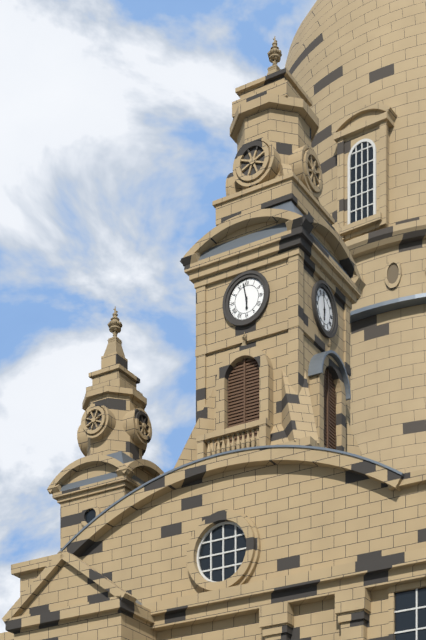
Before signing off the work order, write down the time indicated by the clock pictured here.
5:58
